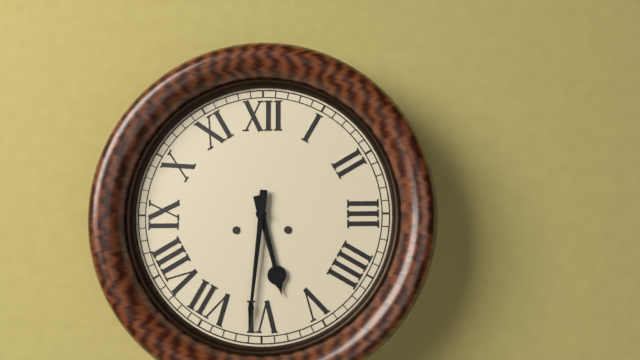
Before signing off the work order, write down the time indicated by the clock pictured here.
5:31
